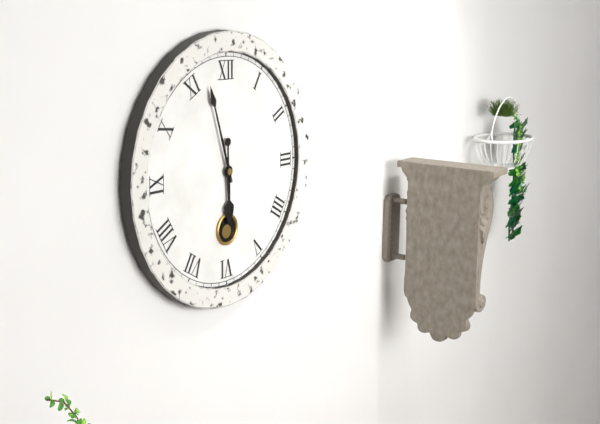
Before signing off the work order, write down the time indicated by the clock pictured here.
5:57
